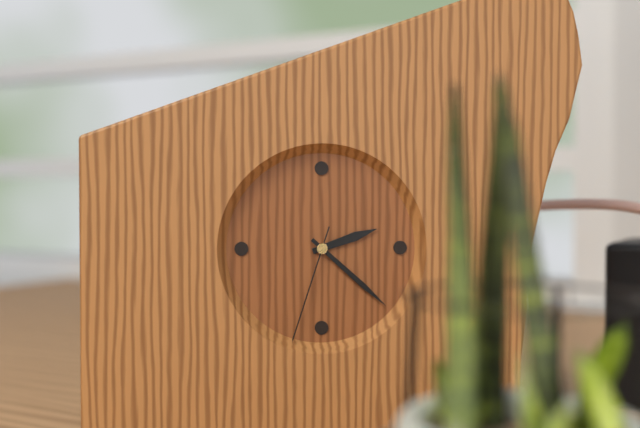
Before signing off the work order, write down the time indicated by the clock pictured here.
2:22:33
